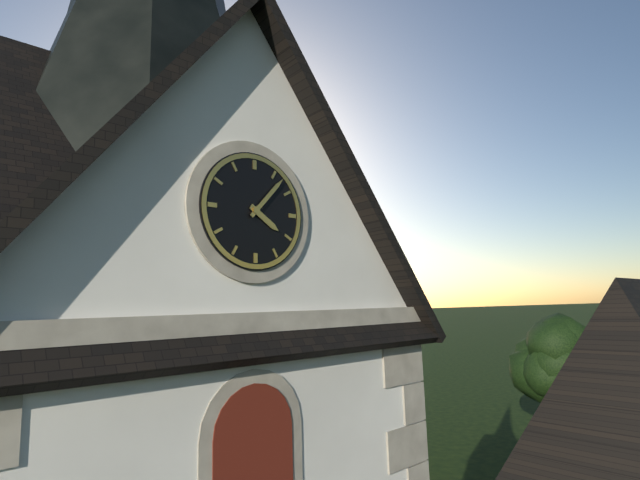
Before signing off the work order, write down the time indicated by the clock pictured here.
4:07
